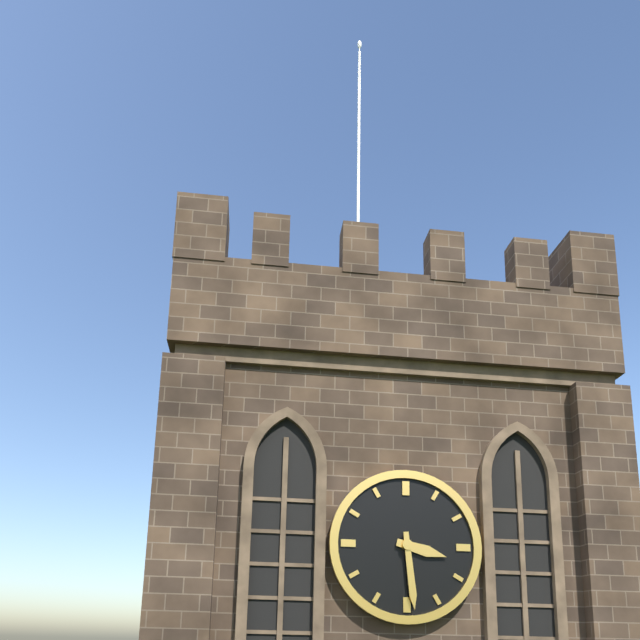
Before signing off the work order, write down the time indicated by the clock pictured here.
3:29
